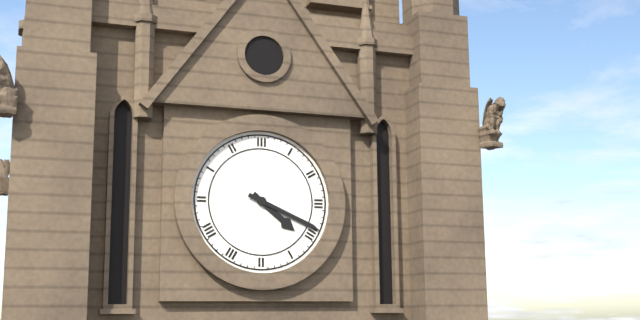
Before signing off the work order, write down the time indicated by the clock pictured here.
4:19
